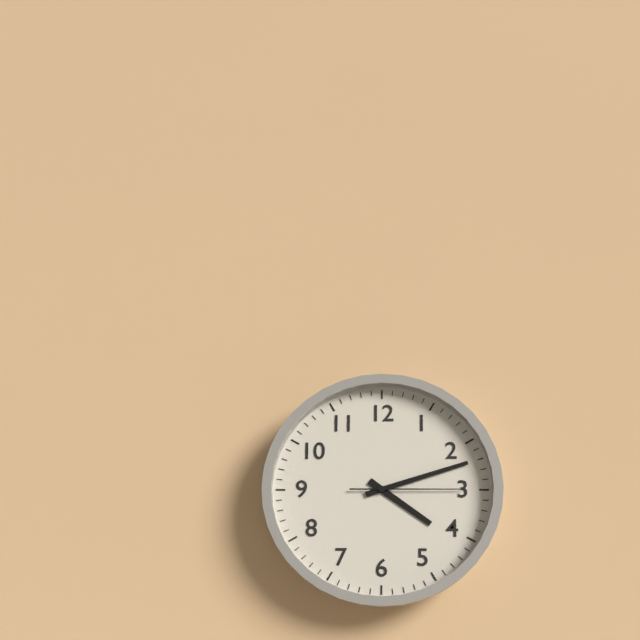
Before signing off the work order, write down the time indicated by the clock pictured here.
4:12:15
